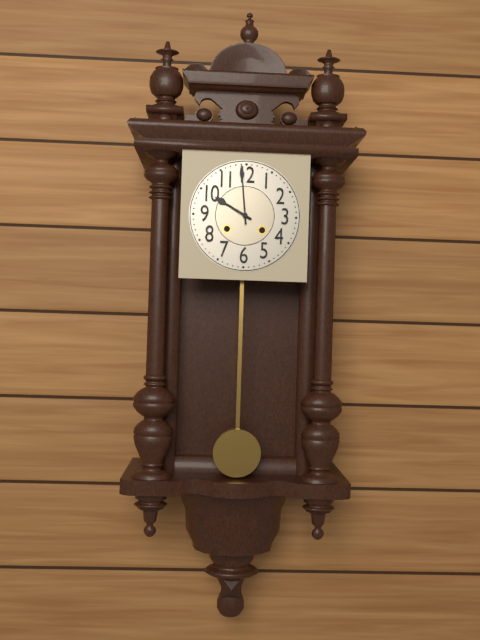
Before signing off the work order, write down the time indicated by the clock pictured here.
9:59
